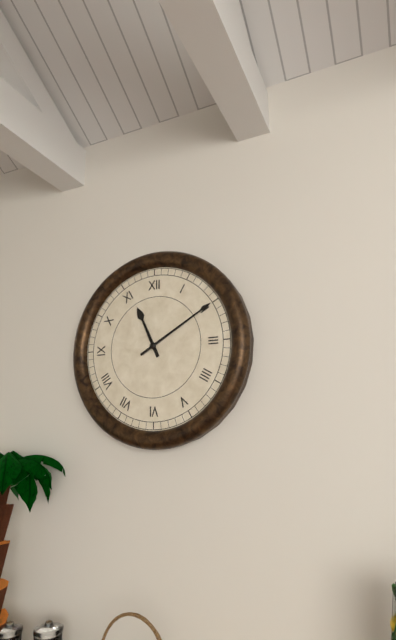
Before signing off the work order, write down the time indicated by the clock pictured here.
11:10
